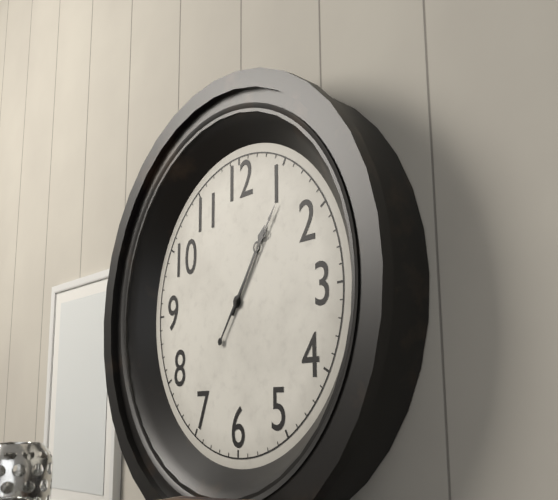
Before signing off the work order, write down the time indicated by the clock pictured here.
1:06
